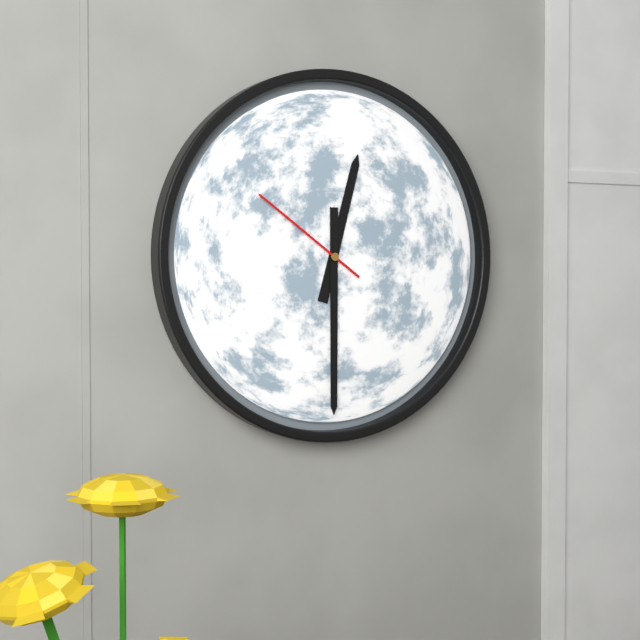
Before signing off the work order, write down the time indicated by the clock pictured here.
12:30:51
